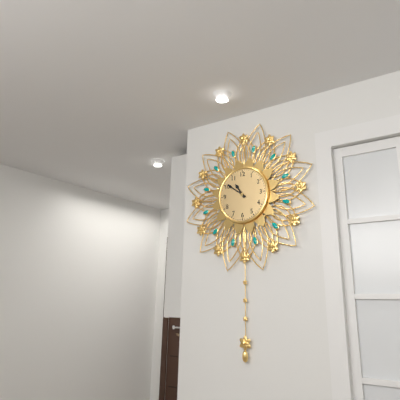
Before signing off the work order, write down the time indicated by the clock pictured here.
10:51
